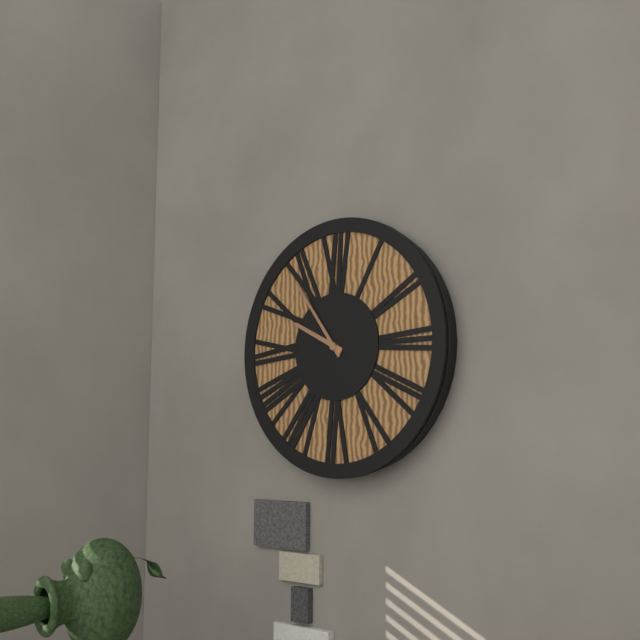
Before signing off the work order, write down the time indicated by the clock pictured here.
9:54
